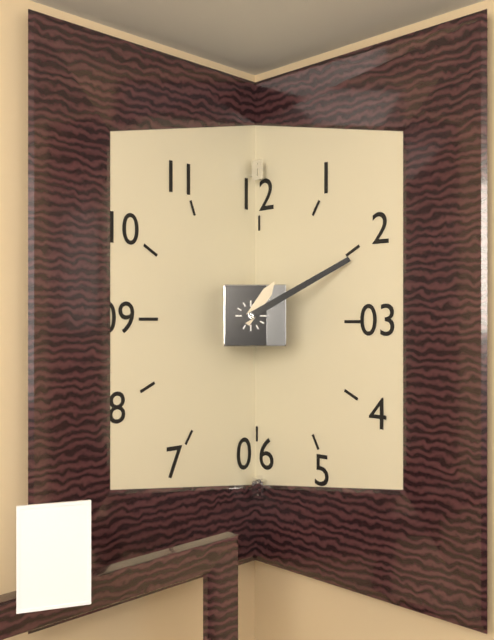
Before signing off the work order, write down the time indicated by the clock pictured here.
1:10
